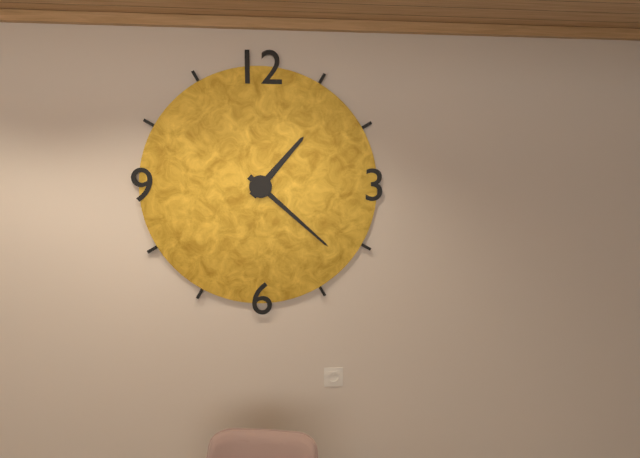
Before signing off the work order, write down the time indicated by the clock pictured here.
1:22
